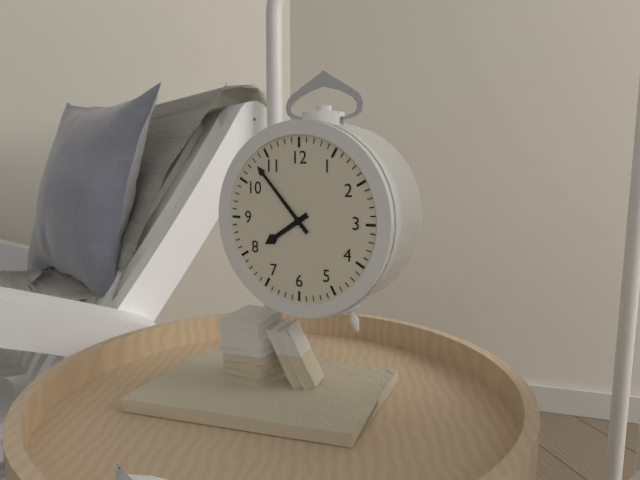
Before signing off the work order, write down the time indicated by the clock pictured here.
7:53
